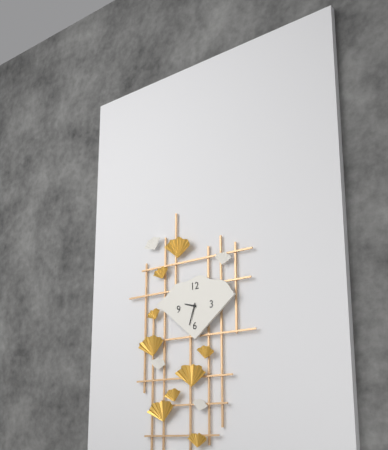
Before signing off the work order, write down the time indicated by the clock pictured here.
9:33
